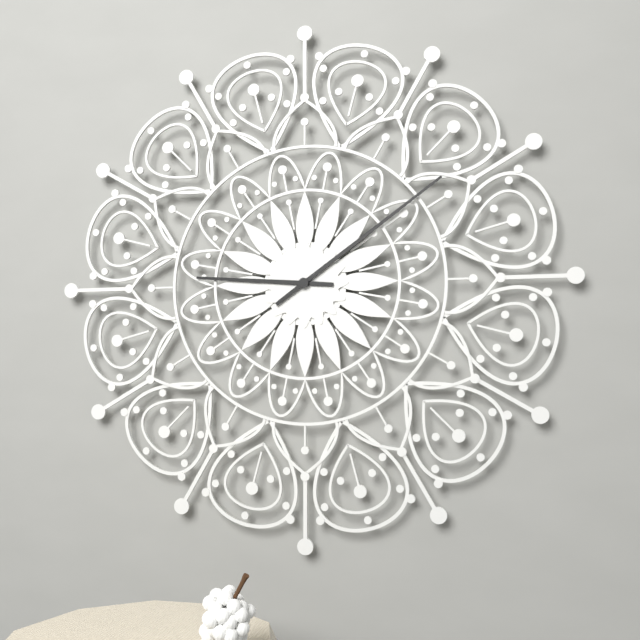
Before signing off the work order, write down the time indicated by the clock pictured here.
9:09
